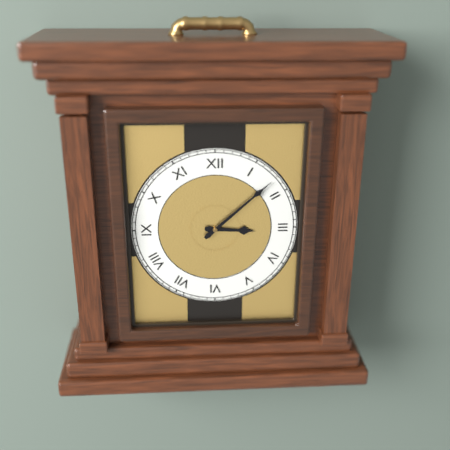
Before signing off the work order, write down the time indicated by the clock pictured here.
3:08
